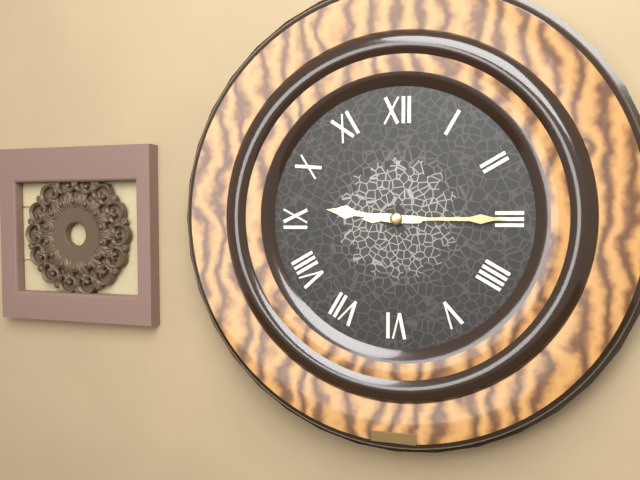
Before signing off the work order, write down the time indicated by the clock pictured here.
9:15
